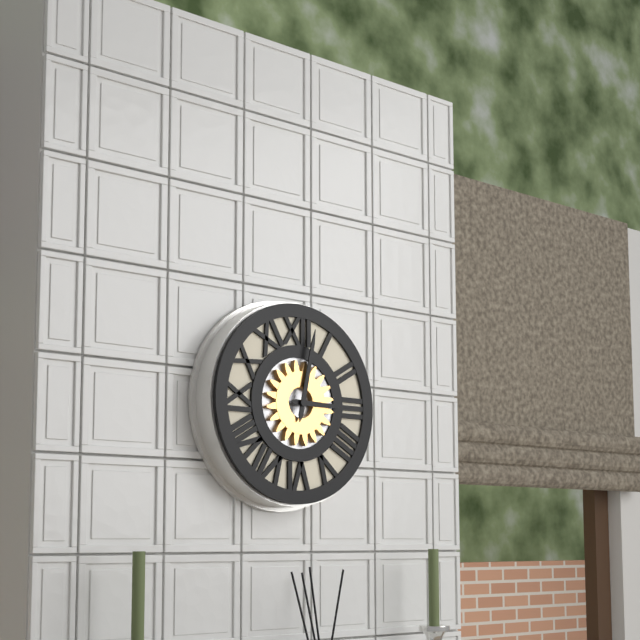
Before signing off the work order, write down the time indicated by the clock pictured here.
3:02
